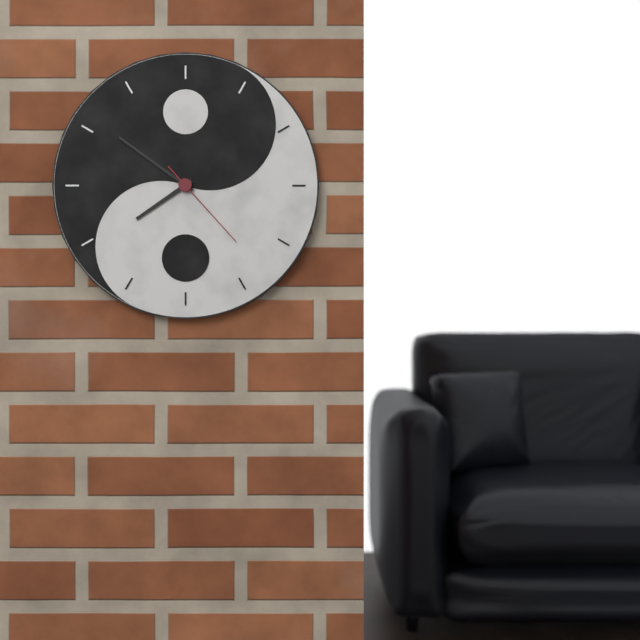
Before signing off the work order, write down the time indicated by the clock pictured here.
7:51:23
